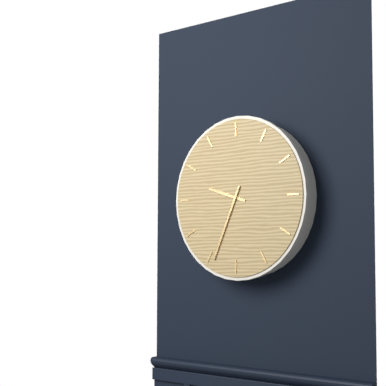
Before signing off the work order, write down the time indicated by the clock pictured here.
9:34
